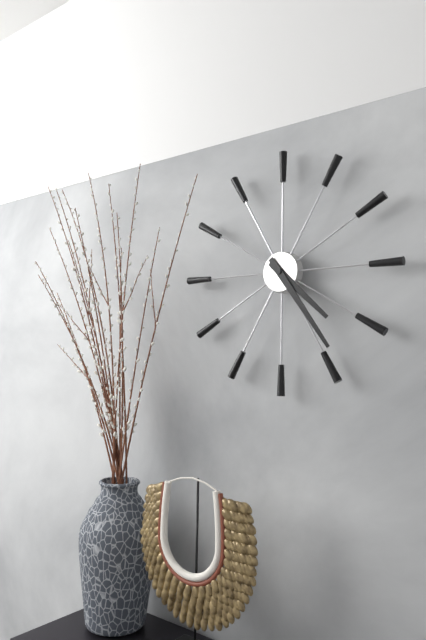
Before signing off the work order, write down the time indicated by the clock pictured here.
4:24
